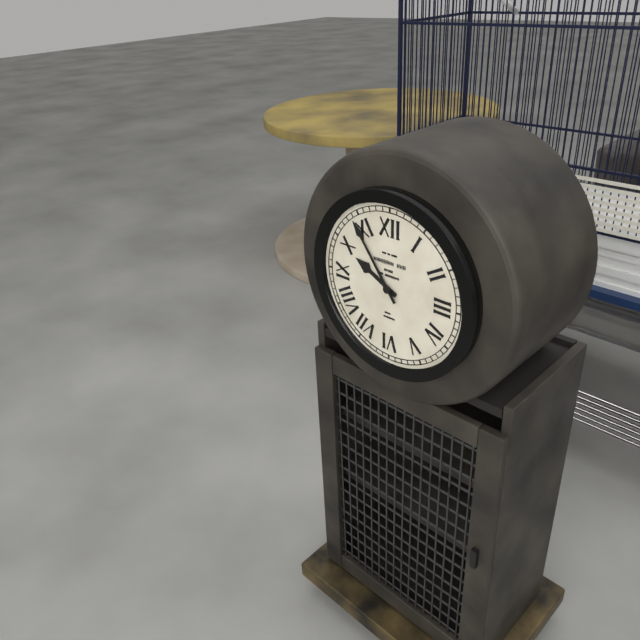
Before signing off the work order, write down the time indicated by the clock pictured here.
9:54
